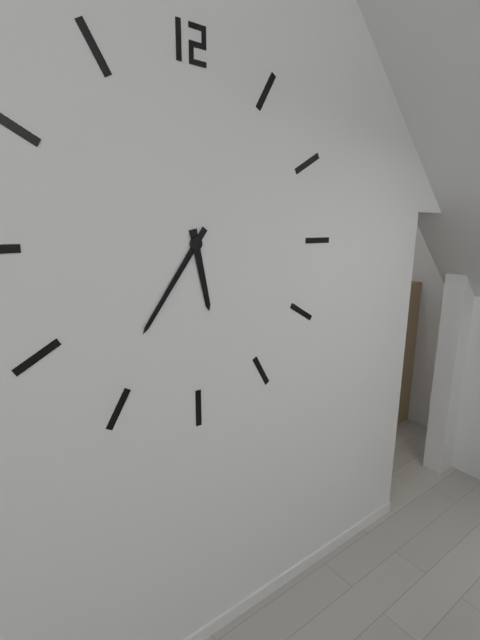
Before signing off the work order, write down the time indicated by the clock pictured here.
5:36
